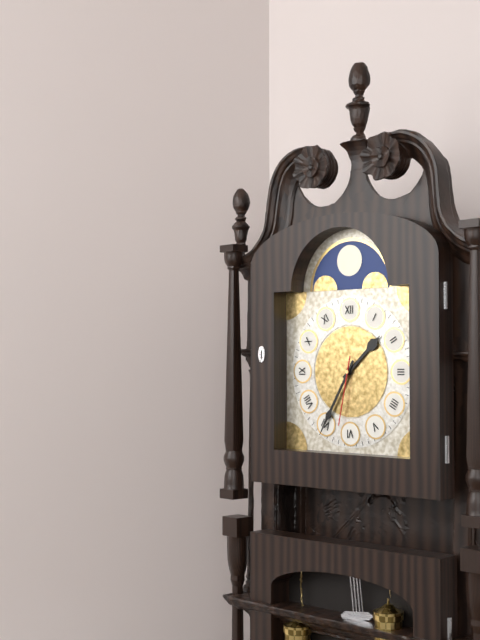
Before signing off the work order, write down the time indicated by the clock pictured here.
1:35:32
